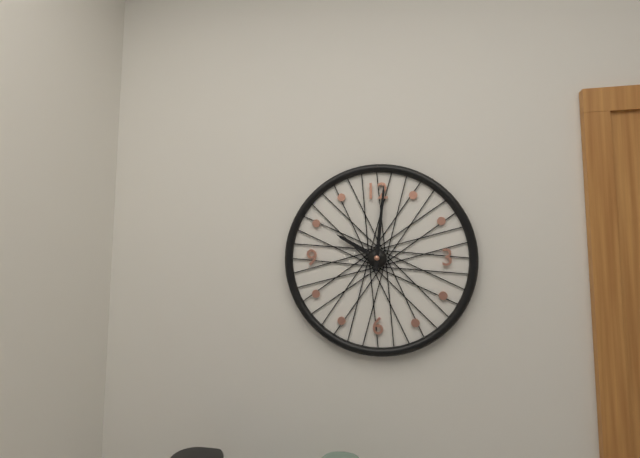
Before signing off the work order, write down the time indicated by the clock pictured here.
10:01
